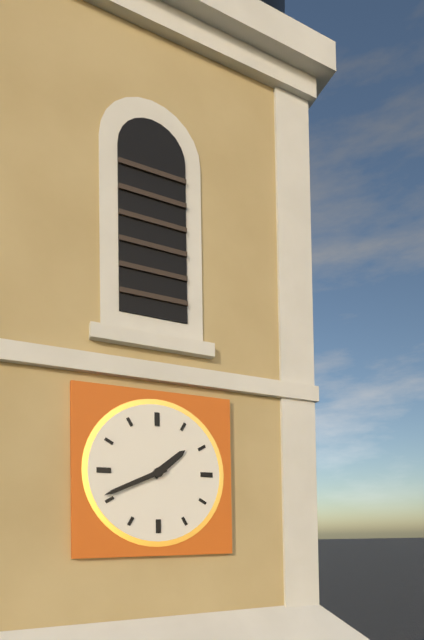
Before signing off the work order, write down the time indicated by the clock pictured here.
1:41
